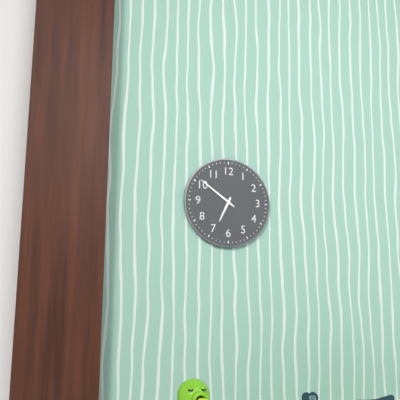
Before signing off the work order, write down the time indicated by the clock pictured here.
6:51
